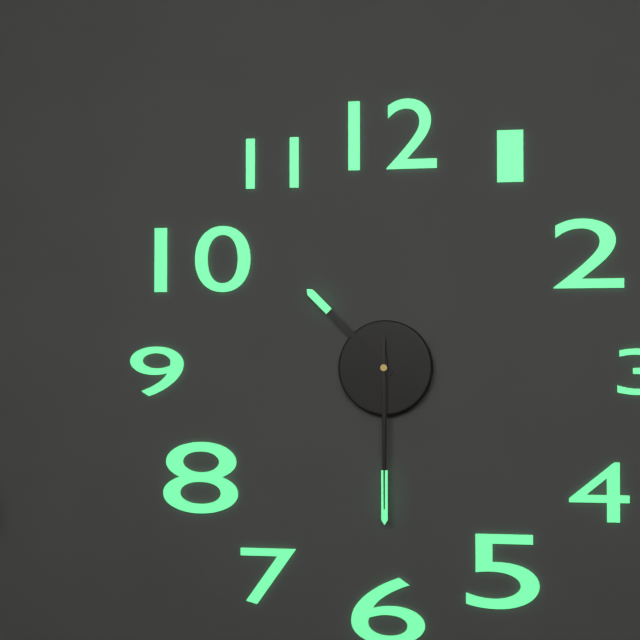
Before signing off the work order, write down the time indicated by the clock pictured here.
10:30:30
